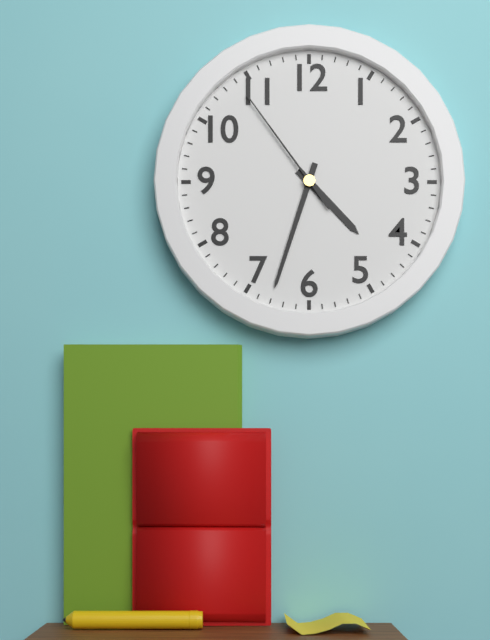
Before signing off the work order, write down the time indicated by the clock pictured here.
4:33:54
